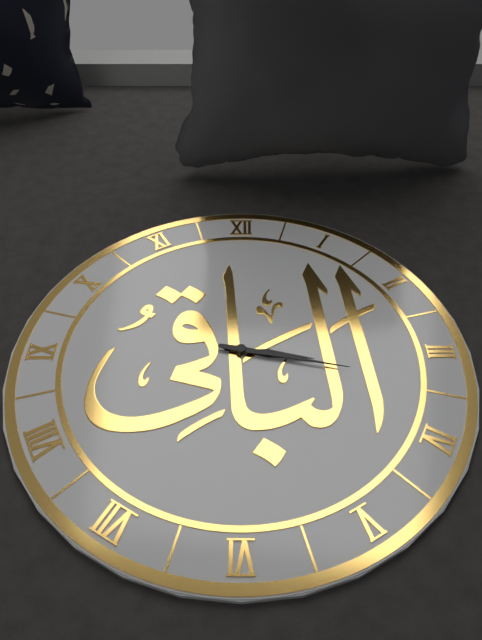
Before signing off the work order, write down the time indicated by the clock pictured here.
3:17
